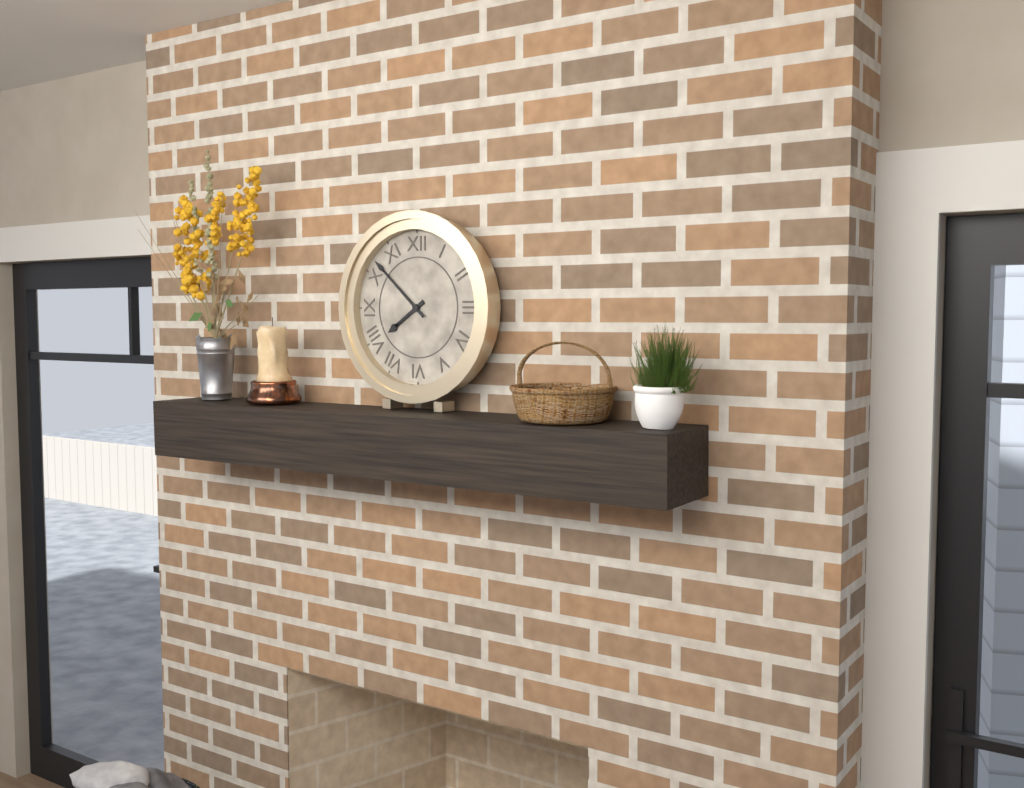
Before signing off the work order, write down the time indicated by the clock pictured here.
7:52
